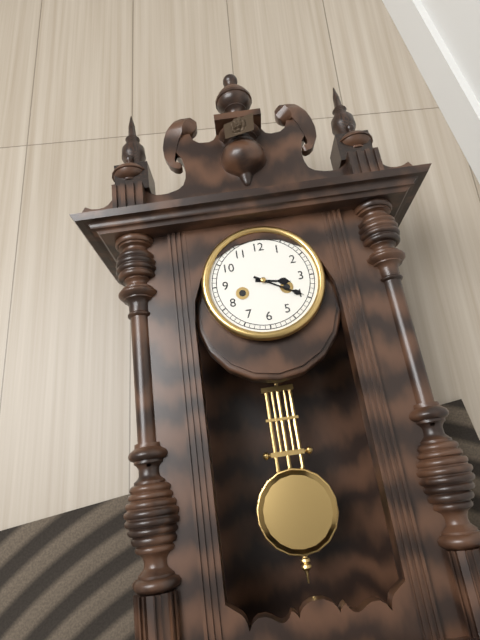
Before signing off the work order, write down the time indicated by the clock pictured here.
3:20
